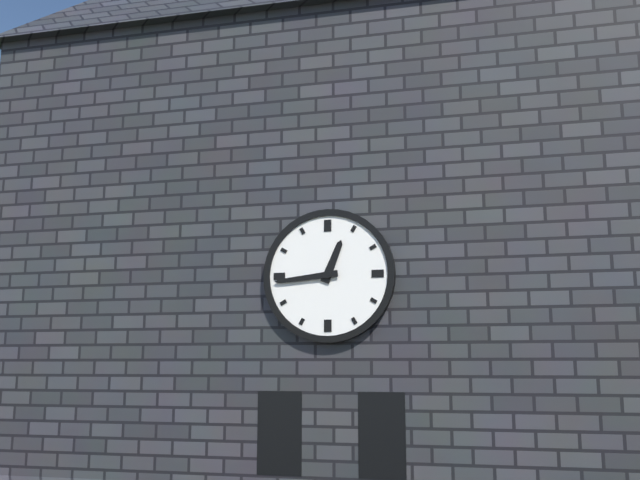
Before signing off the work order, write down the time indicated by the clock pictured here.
12:44
